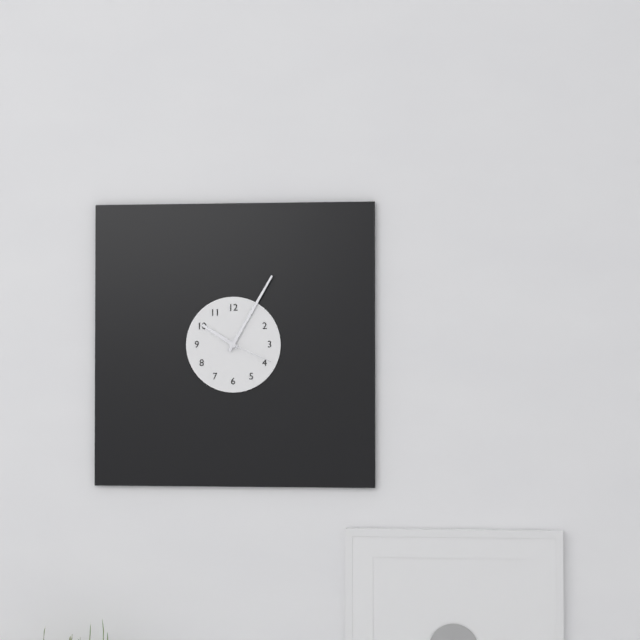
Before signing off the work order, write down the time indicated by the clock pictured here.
10:05:19
